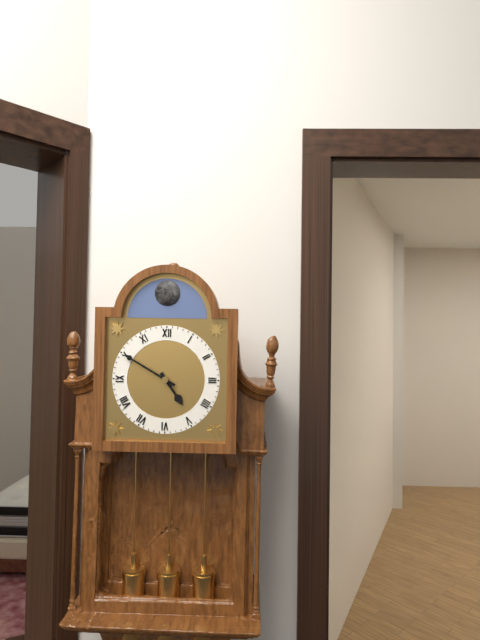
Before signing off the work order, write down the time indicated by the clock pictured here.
4:50
